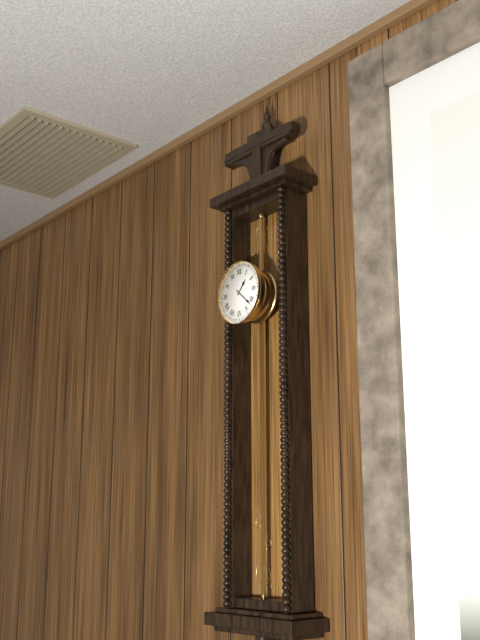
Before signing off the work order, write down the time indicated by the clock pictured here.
1:22
